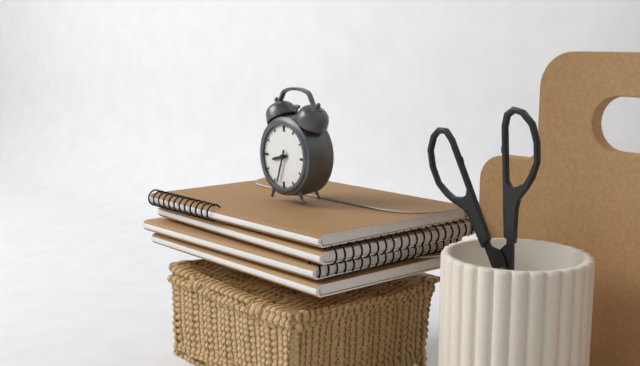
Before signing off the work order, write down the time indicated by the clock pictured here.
8:33
